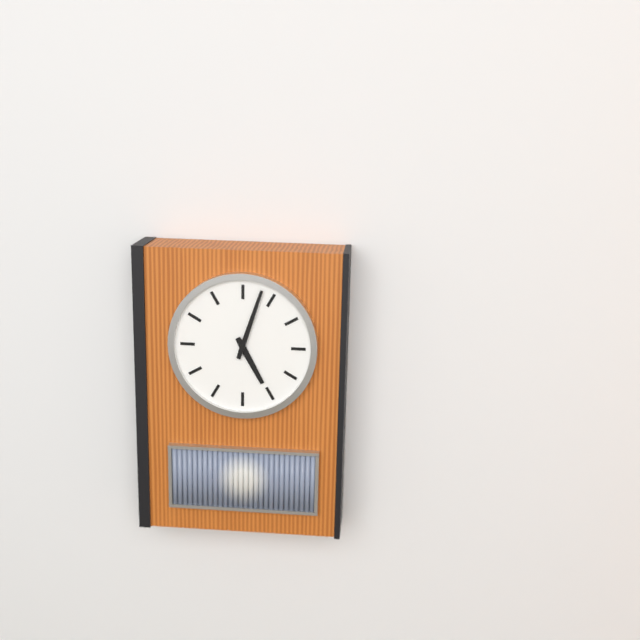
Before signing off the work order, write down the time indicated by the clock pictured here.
5:03
